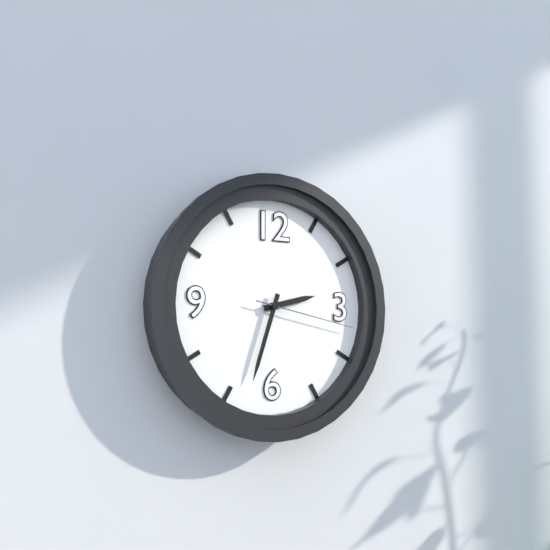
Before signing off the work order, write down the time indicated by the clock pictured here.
2:33:17
